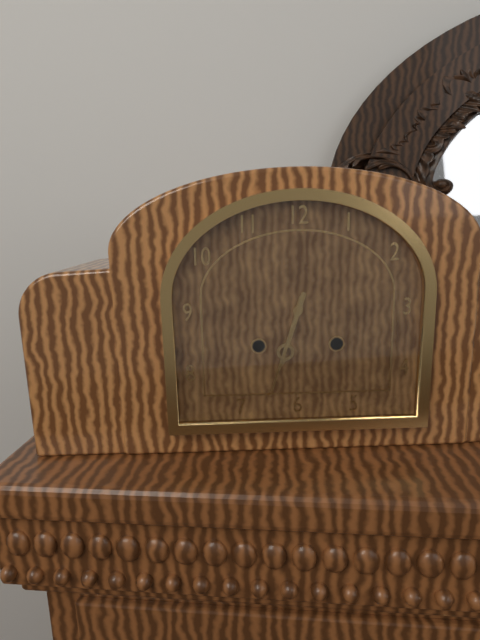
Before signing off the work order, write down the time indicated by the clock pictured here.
6:33
